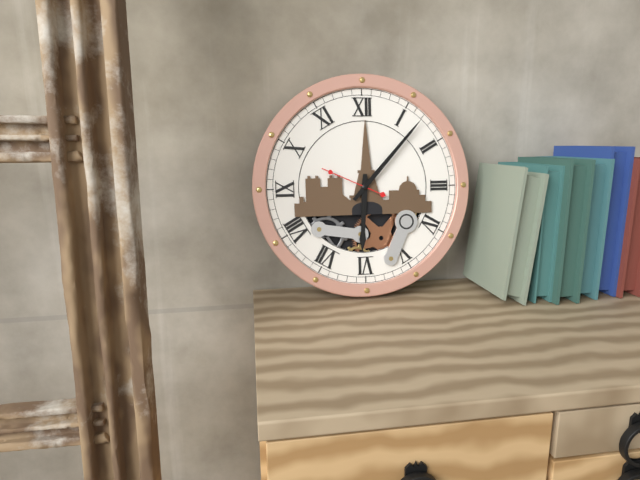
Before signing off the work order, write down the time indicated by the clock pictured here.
6:07:49
